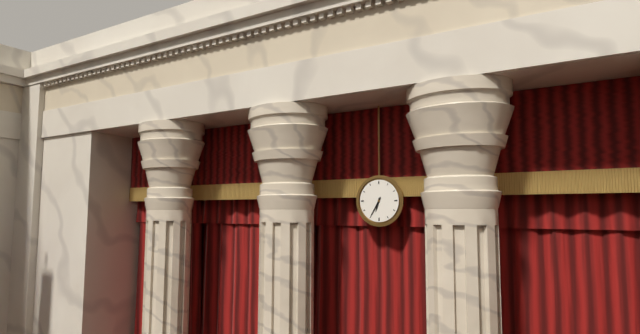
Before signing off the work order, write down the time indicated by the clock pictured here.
6:35
